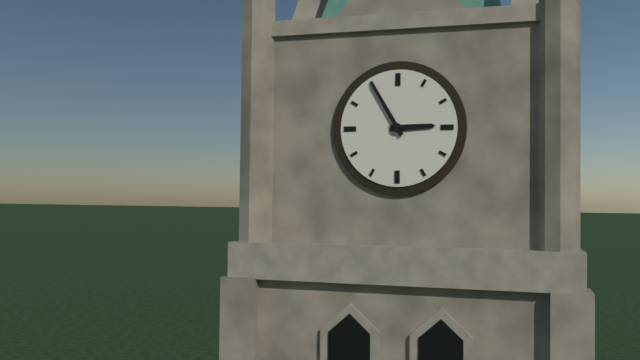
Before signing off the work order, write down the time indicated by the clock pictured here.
2:55
